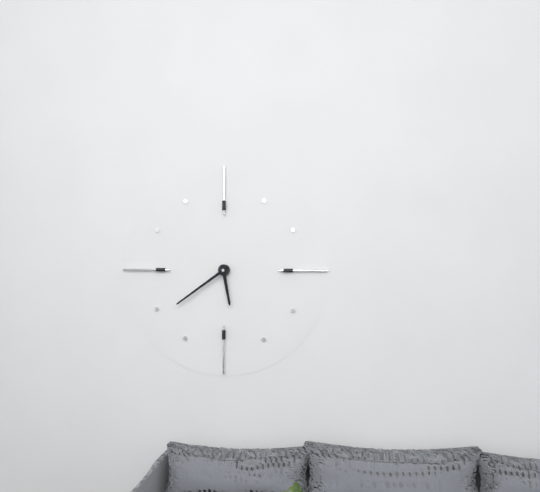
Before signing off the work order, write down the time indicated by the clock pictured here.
5:39
